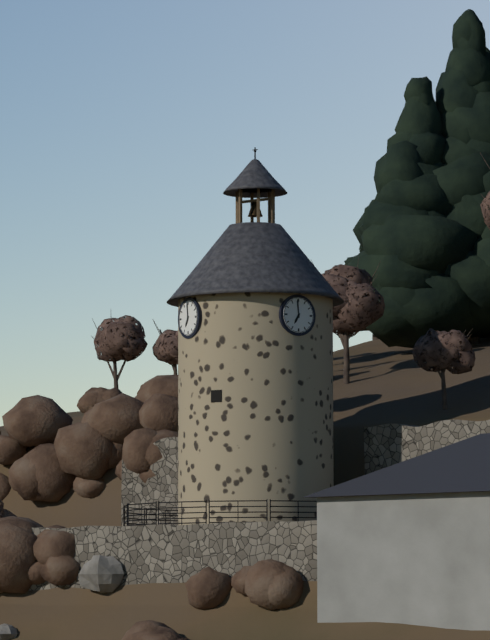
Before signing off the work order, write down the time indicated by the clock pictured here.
6:59
